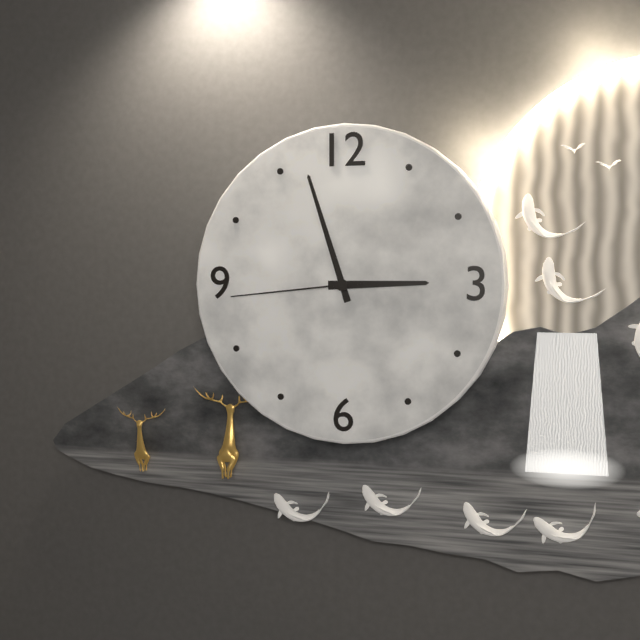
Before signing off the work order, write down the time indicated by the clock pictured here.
2:57:44
